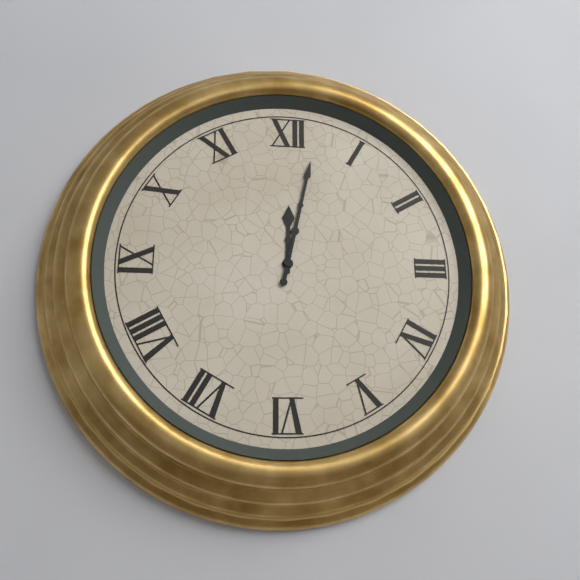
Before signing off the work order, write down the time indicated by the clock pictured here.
12:02
